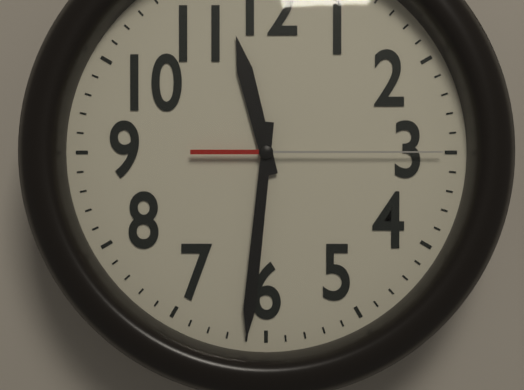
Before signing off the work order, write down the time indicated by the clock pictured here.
11:31:15
